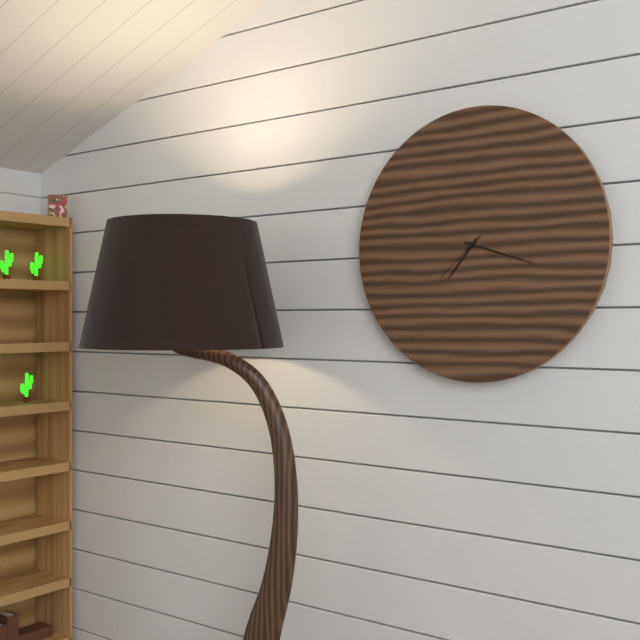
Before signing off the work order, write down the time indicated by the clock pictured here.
7:18:38
